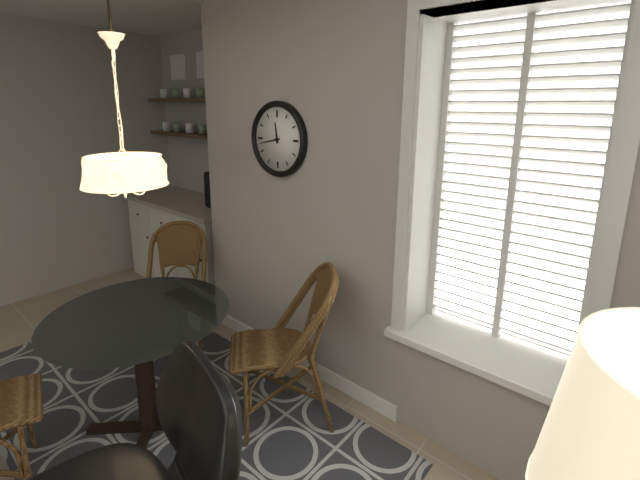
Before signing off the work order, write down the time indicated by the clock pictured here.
11:43
